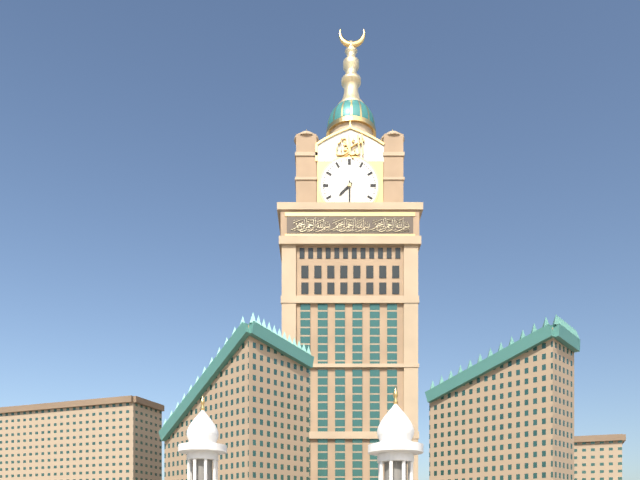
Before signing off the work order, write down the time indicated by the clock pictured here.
7:30
